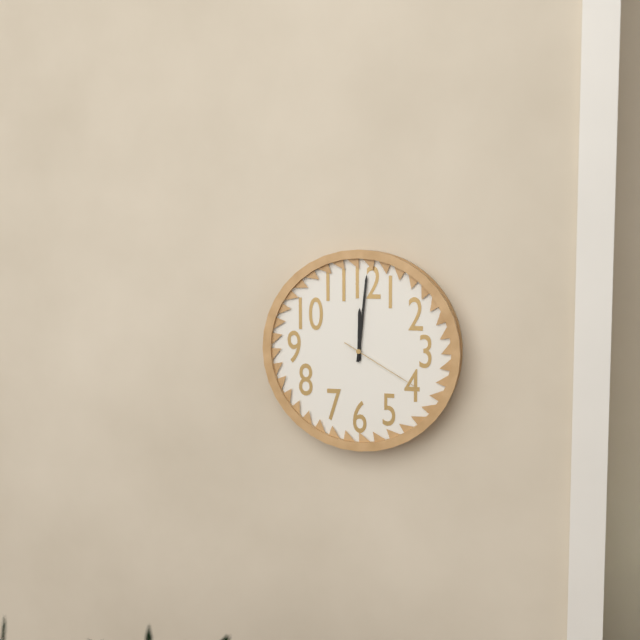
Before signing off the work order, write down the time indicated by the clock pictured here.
12:01:20
